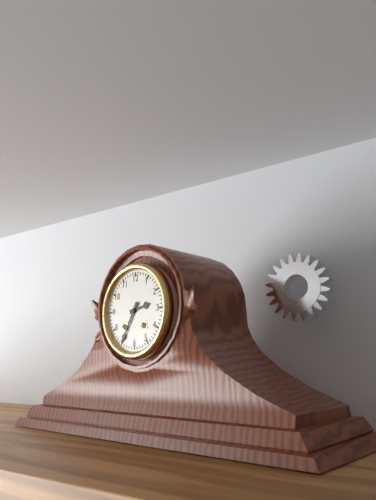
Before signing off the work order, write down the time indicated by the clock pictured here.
2:35
